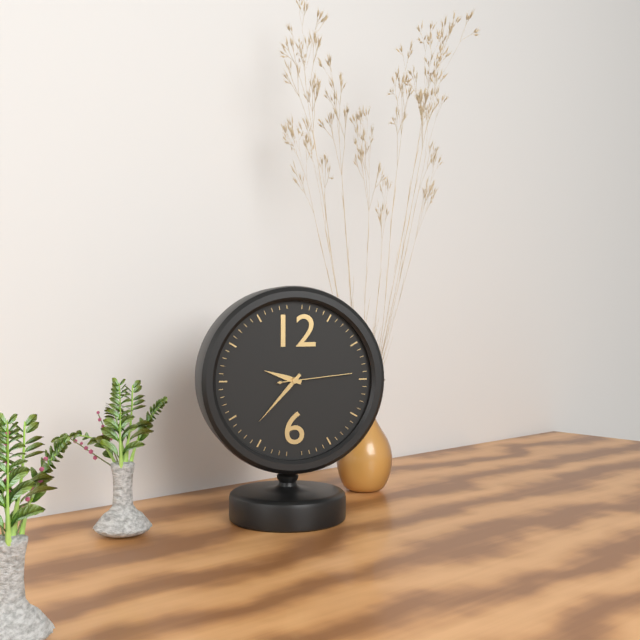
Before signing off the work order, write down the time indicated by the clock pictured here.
9:37:14
